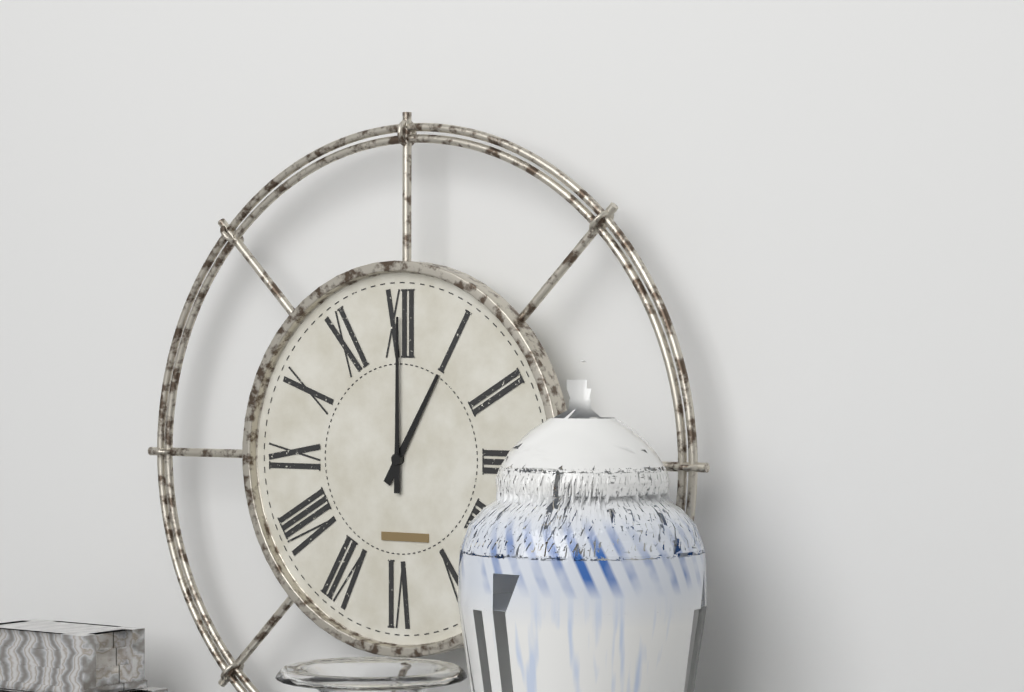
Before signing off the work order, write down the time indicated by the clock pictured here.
1:00
